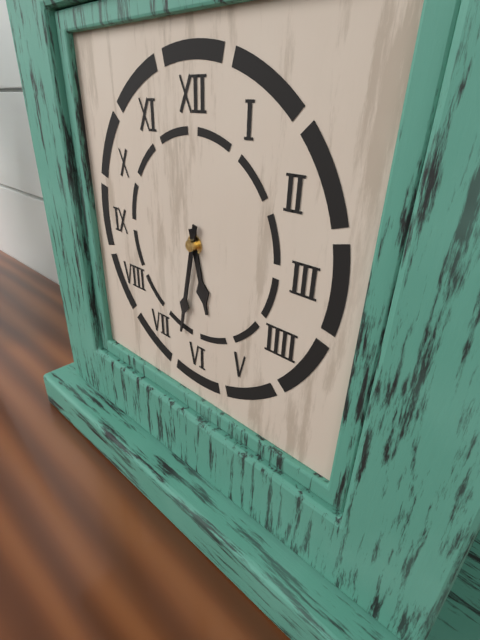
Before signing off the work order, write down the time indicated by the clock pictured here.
5:32
